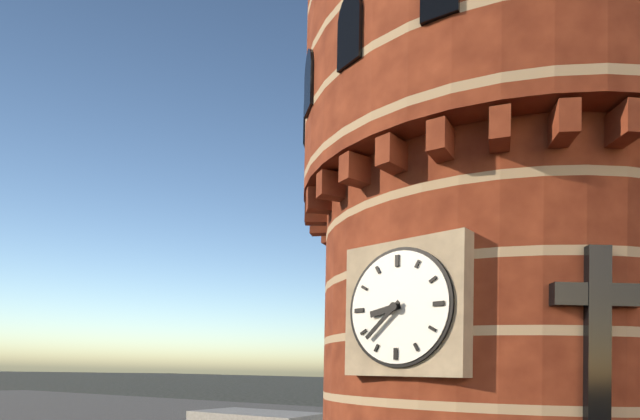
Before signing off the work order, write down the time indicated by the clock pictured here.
8:38
